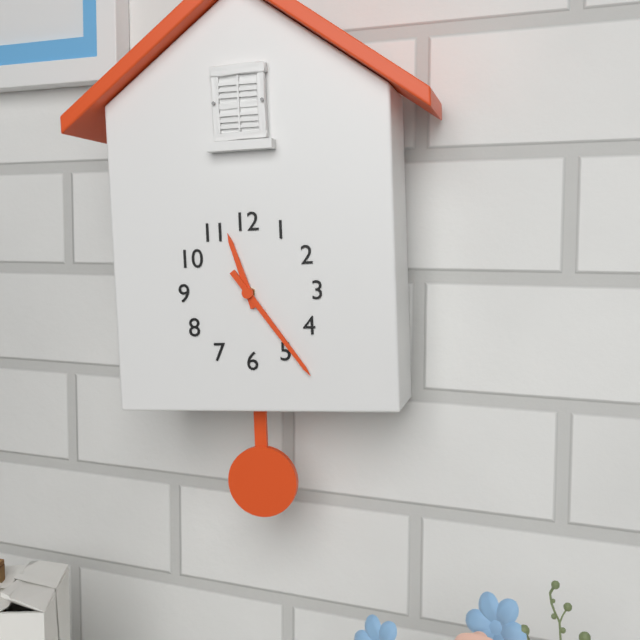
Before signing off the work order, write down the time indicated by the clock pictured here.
11:24
